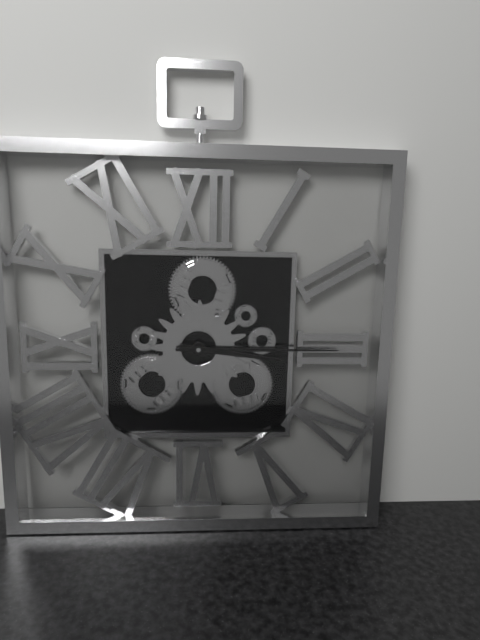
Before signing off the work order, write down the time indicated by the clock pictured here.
3:15
